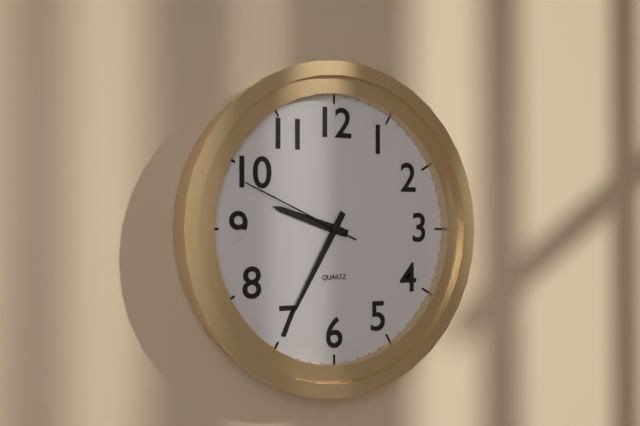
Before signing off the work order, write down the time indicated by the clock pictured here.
9:35:49
